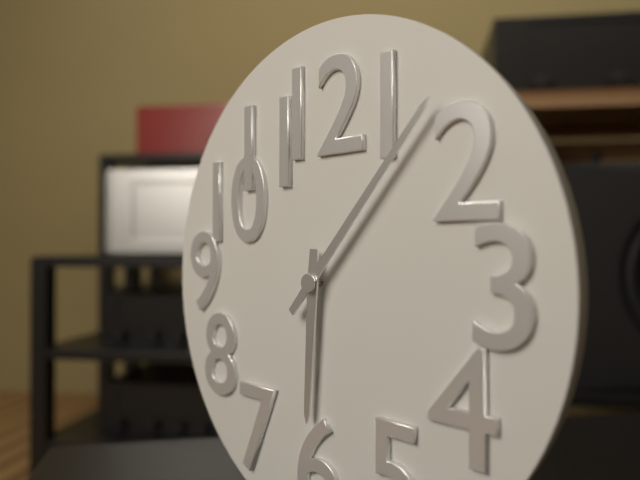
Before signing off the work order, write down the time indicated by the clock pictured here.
6:07
